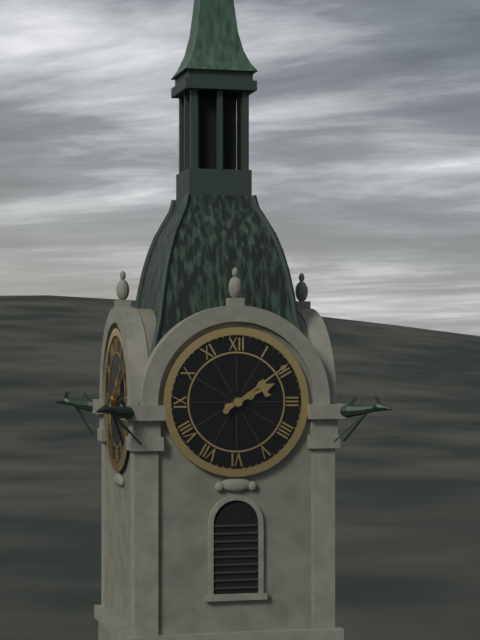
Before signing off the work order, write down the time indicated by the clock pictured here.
2:09
